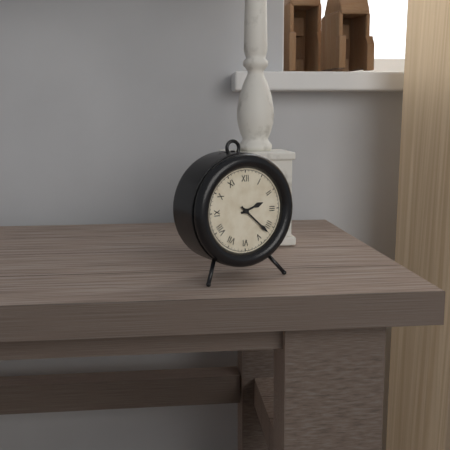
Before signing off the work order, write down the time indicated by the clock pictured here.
2:22
